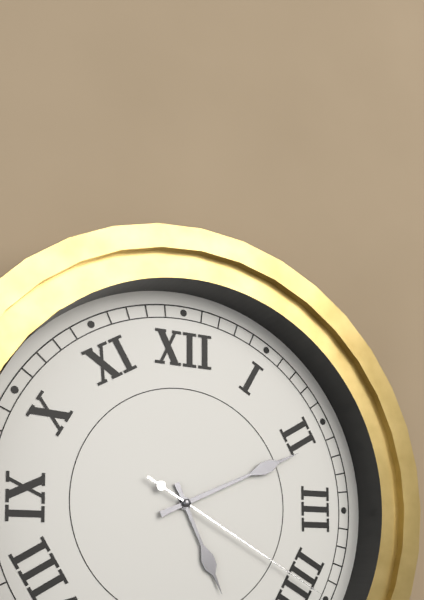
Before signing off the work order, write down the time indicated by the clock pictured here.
5:11:20
